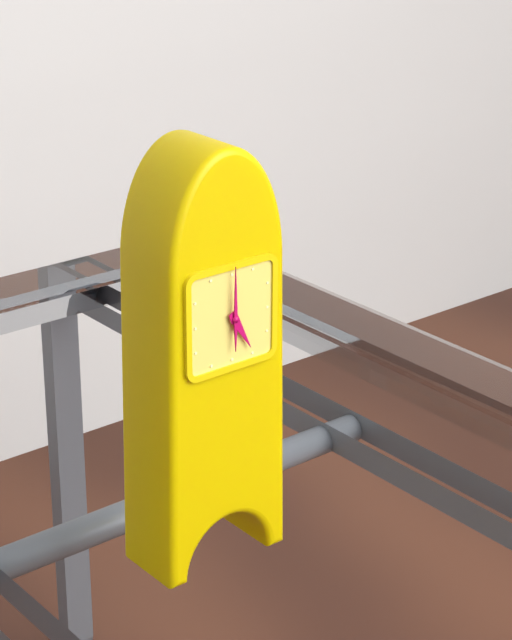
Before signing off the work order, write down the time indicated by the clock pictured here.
5:00
